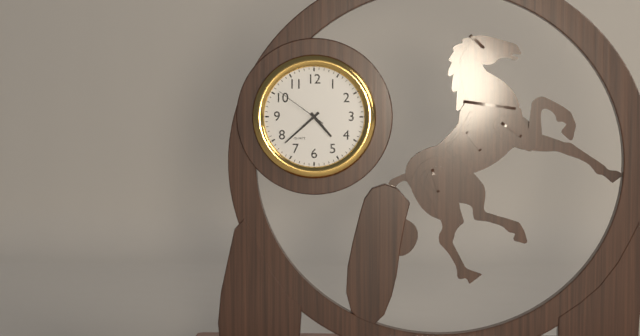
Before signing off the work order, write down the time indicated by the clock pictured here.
4:38:51
